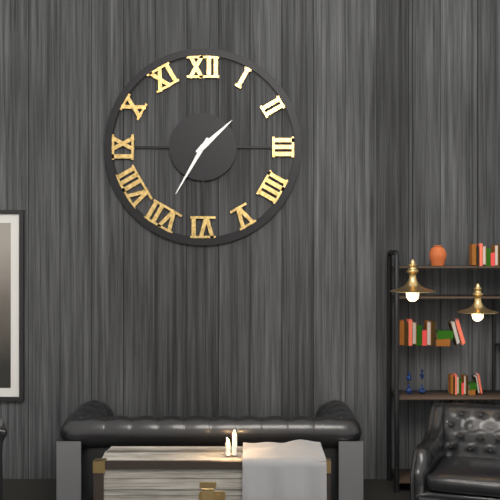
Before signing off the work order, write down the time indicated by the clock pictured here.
1:35
